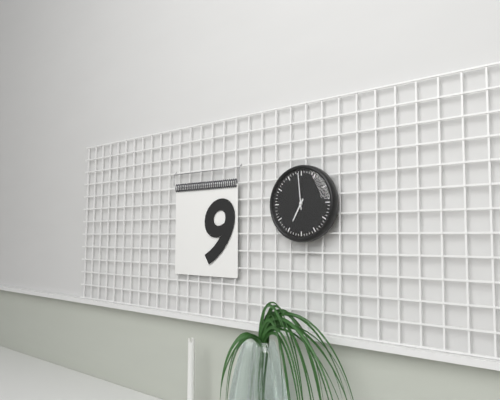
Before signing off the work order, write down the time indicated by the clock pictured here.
6:59
